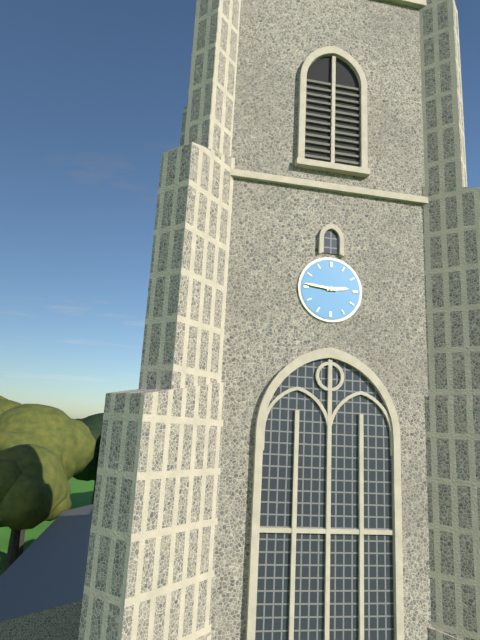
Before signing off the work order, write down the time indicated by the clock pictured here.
2:46
